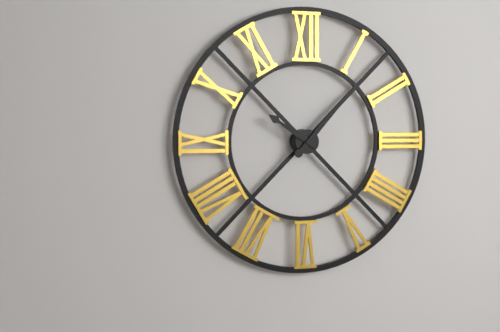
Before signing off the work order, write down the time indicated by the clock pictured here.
10:07
